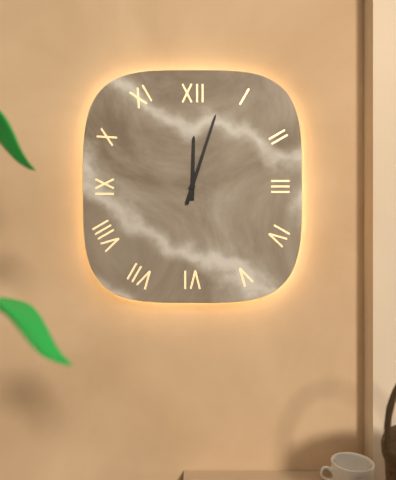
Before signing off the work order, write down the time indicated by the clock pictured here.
12:03
